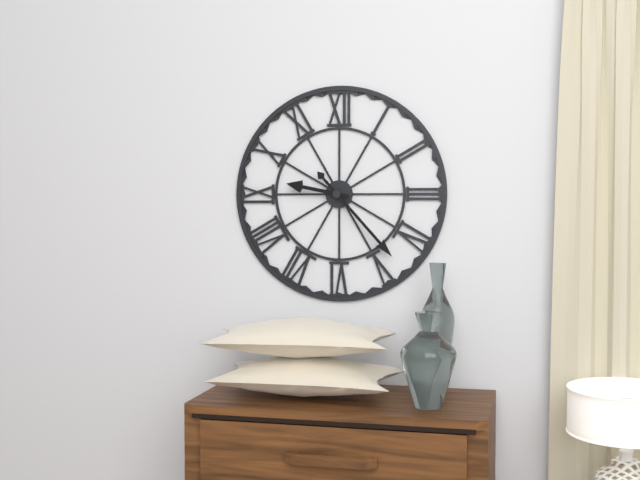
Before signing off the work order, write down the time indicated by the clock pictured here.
9:23
